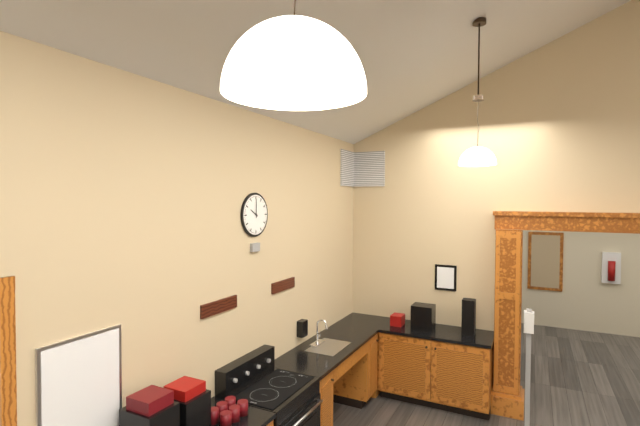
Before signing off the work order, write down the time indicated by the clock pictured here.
10:00
